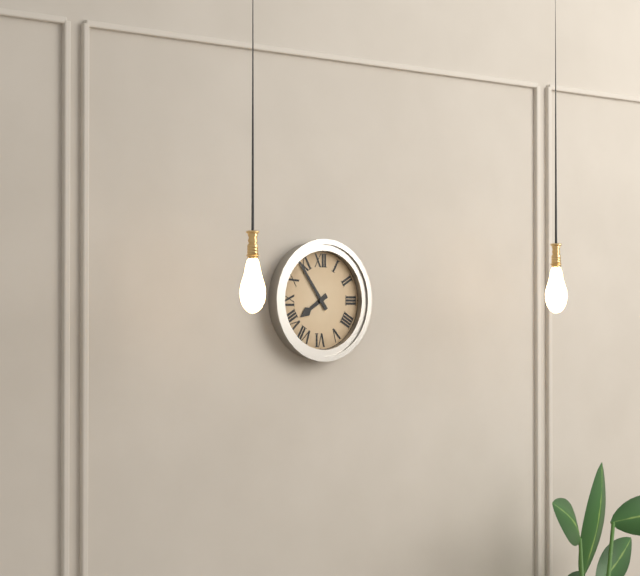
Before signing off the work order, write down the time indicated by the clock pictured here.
7:54
